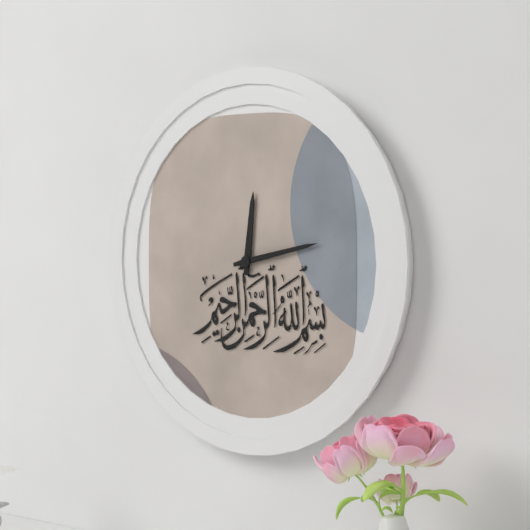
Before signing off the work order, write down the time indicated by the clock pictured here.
12:13
